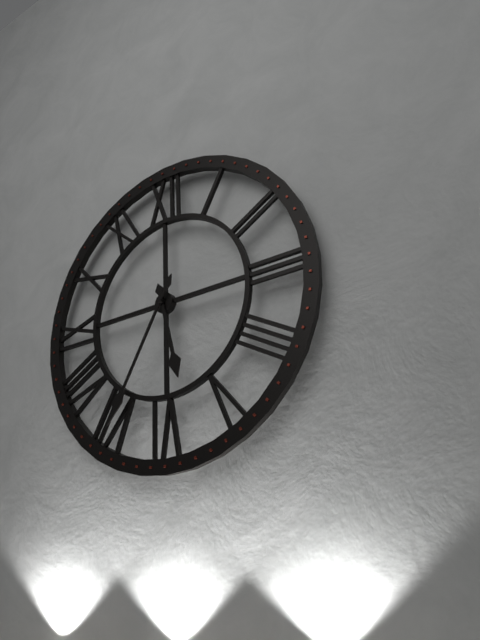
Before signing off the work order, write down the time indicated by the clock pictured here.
5:35
